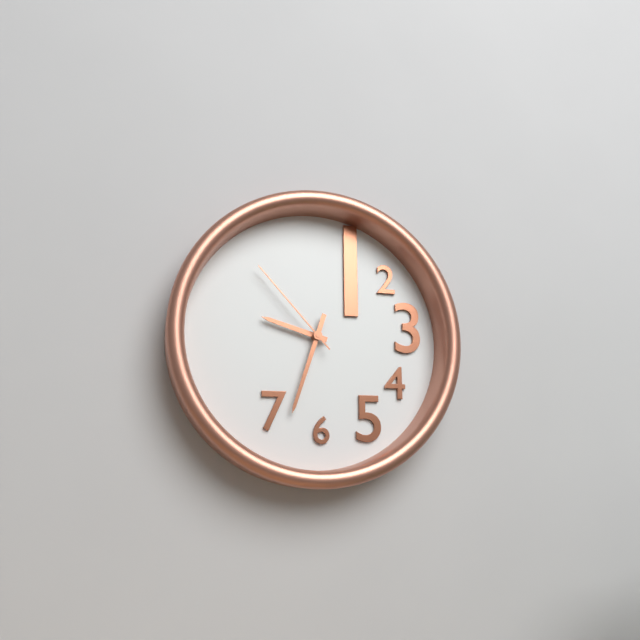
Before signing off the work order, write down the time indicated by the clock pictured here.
9:33:53
